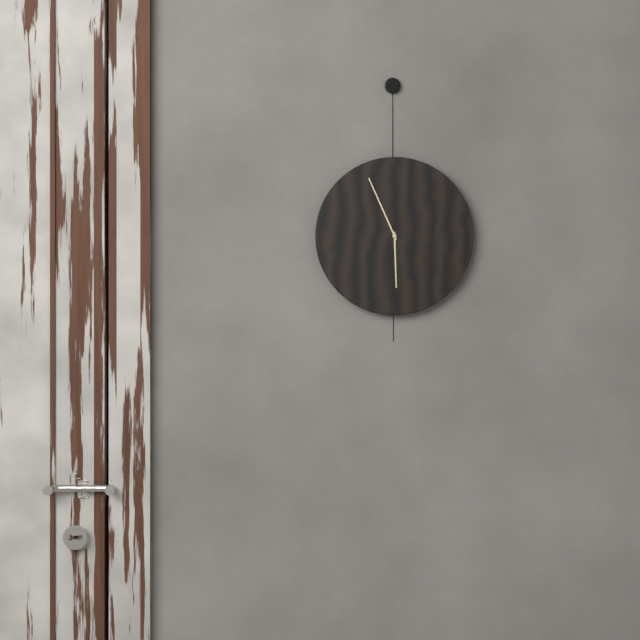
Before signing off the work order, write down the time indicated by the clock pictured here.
5:56
